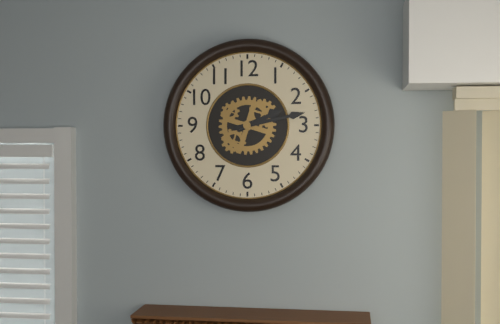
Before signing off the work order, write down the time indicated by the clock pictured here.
2:13
